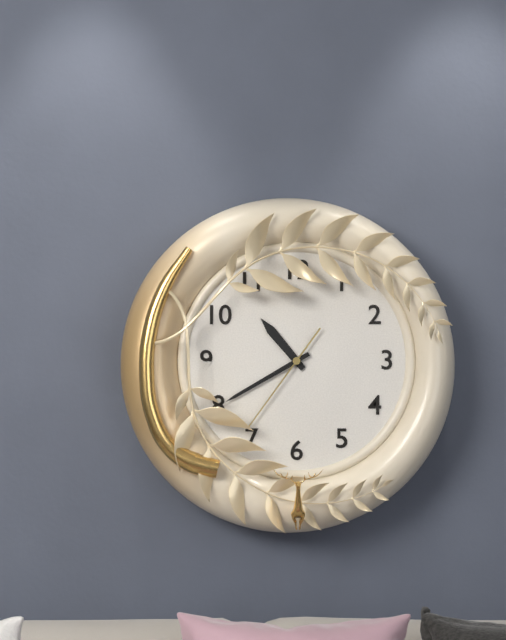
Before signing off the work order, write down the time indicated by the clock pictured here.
10:40:36
